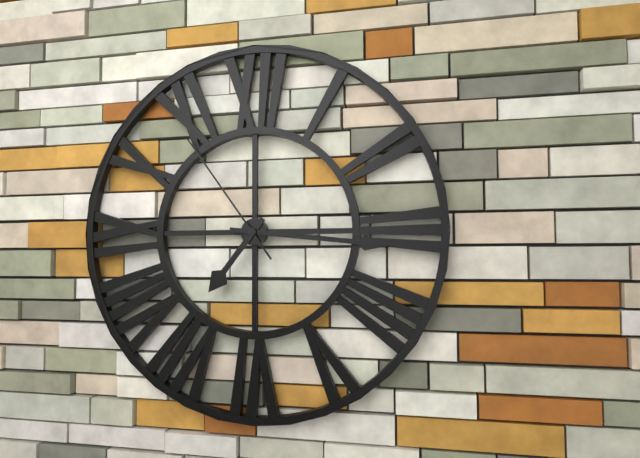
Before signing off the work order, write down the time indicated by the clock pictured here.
7:16:54
